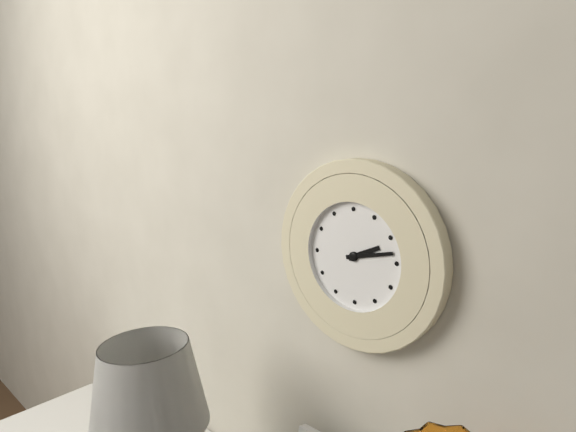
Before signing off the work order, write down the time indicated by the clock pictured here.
2:13
